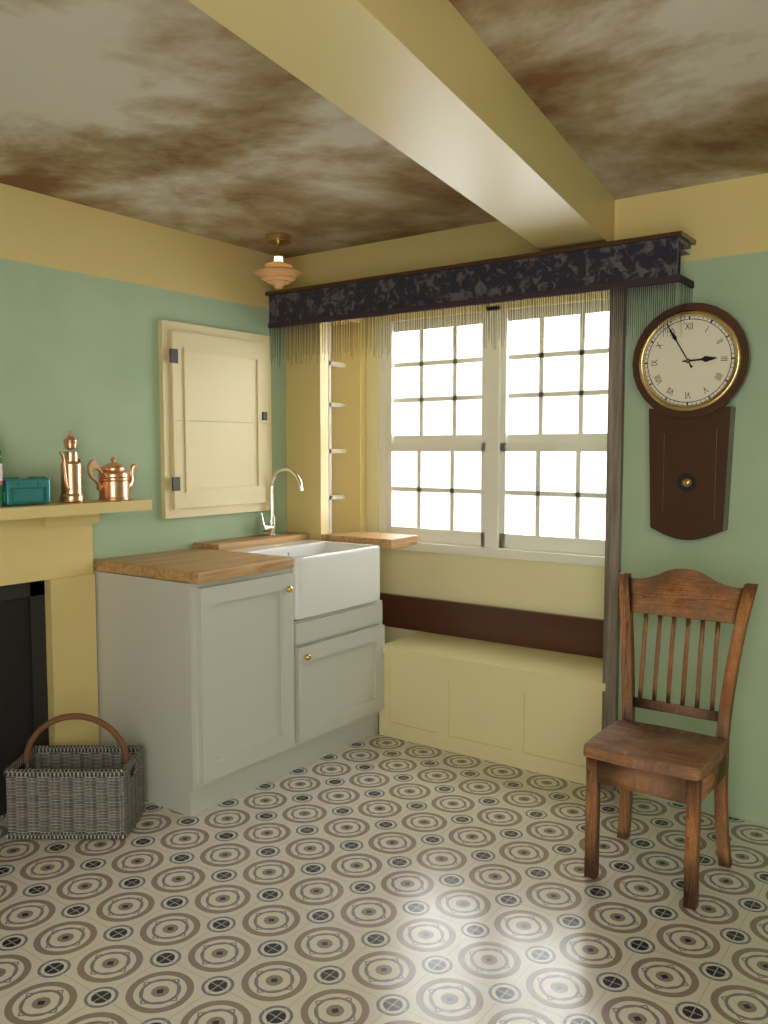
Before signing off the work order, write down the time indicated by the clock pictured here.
2:55
